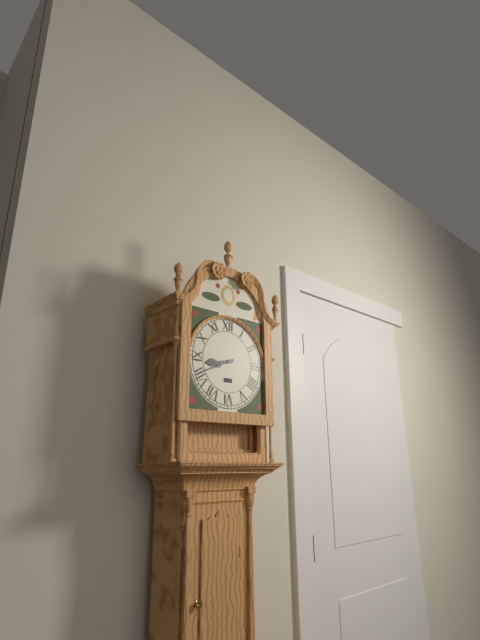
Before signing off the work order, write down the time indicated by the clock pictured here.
8:41
